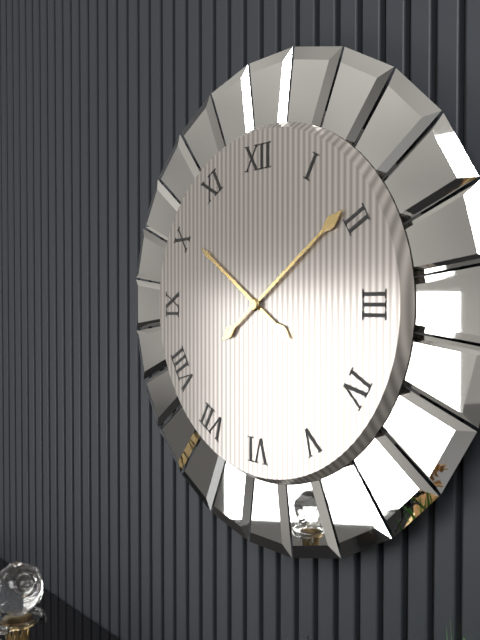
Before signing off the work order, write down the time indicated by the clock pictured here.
10:09
